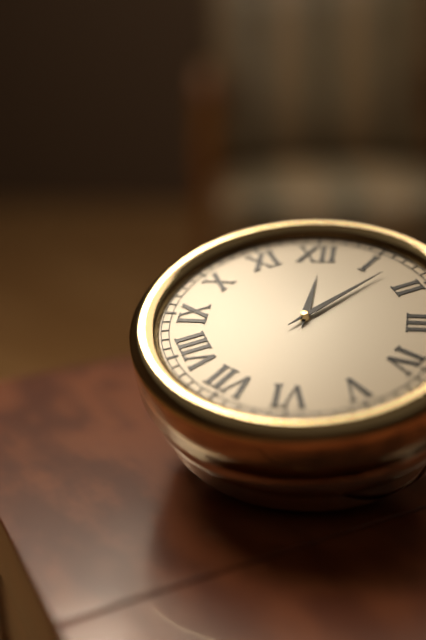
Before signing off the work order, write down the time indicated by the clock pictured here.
12:07
